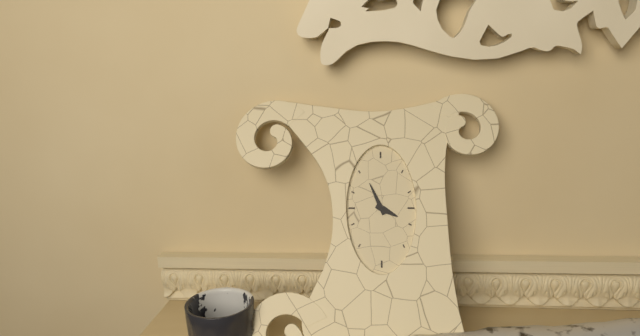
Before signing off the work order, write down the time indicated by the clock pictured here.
3:56
